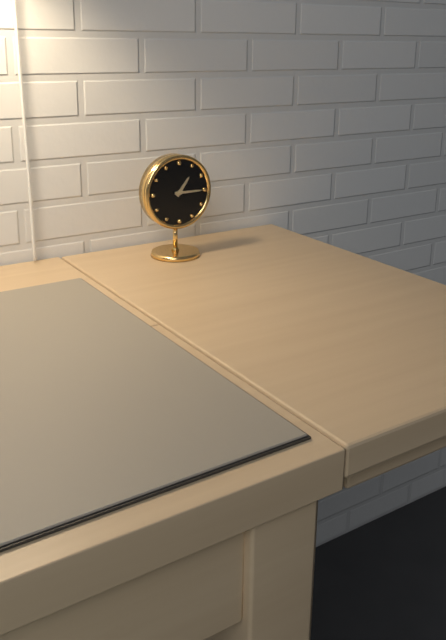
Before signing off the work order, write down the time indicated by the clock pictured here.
1:15
